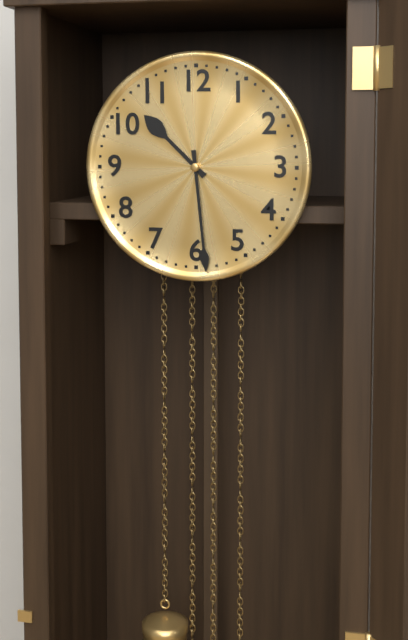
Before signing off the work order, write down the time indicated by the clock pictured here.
10:29
